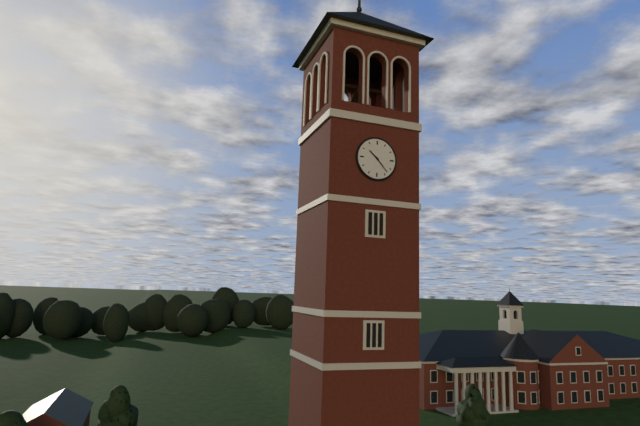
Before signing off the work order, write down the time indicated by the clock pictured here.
10:23
